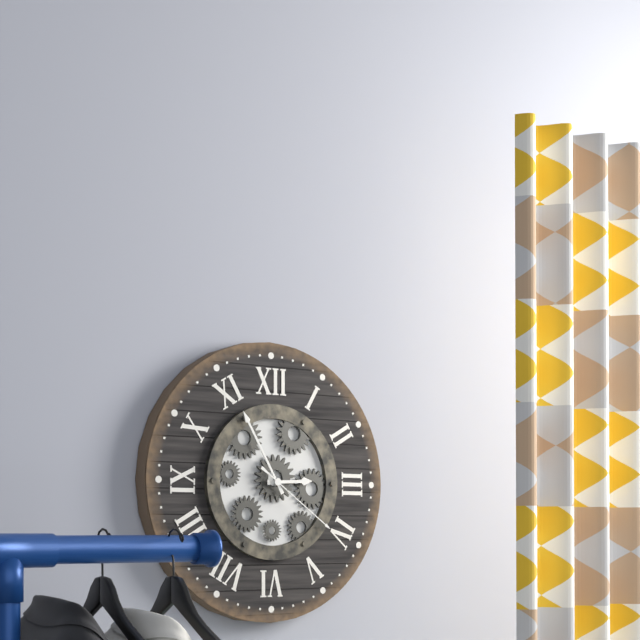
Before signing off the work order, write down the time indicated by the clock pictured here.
2:55:21
